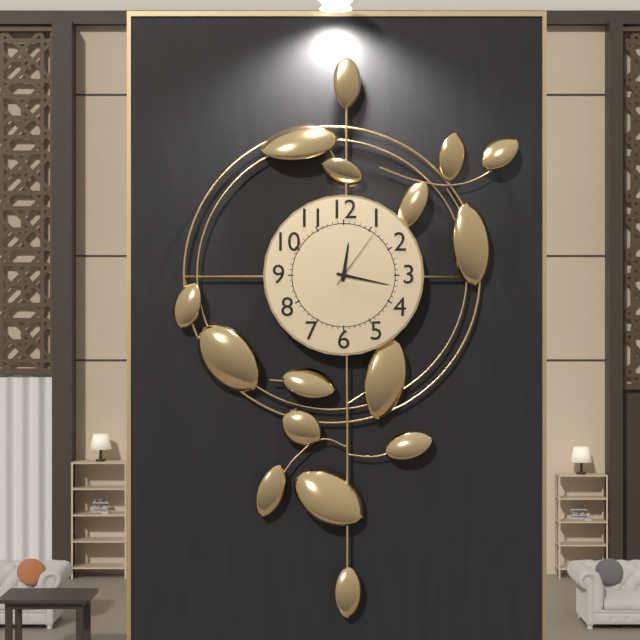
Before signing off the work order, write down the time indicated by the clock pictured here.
12:17:06
